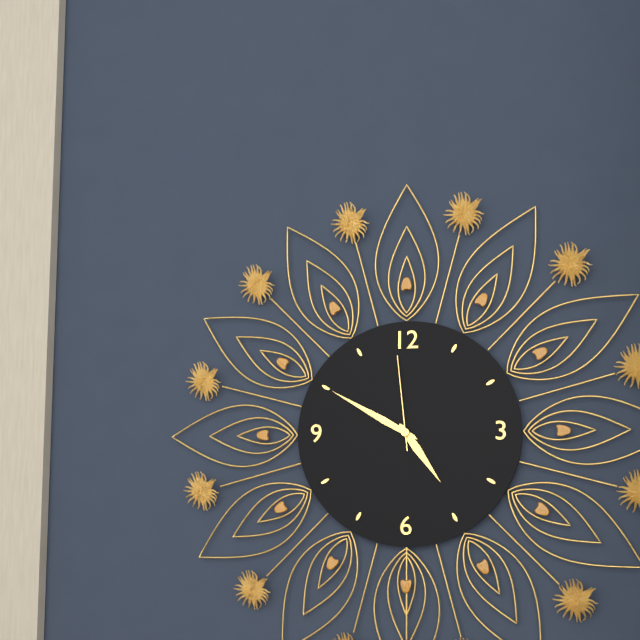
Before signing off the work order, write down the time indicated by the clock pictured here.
4:50:59
